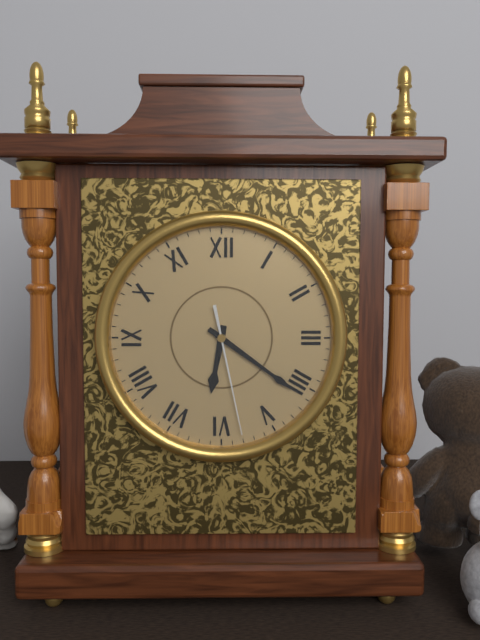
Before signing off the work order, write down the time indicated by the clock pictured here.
6:21:28
